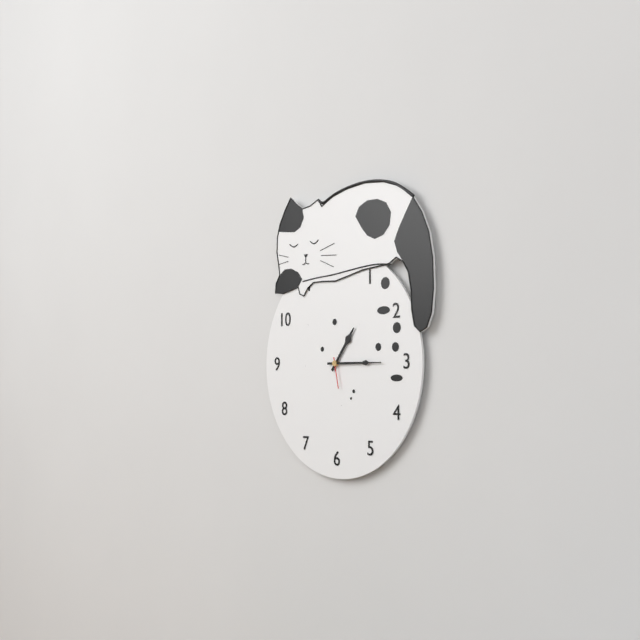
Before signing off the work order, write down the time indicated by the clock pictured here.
1:15
